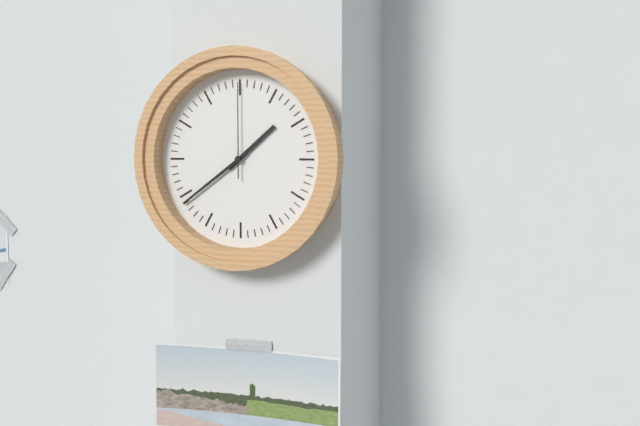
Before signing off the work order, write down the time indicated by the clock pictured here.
1:39:00
